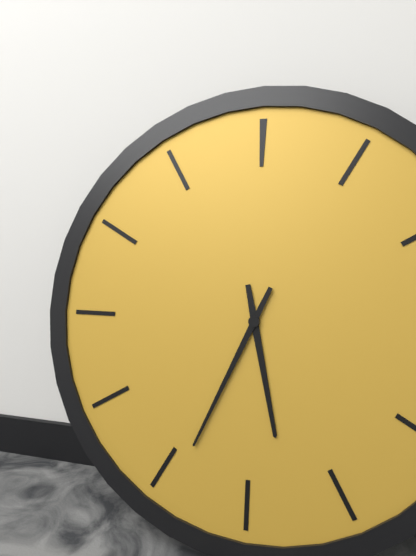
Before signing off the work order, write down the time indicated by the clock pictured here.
5:34
